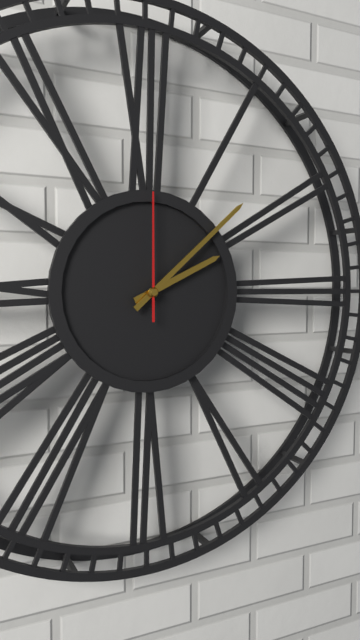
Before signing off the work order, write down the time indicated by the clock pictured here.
2:08:00
